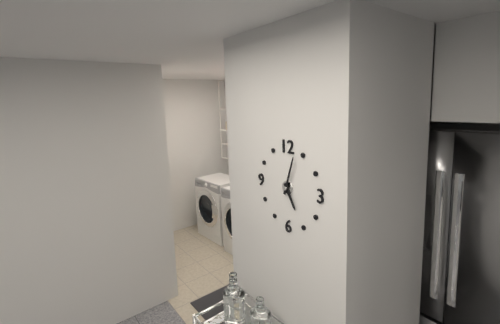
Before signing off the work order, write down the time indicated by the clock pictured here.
5:03
